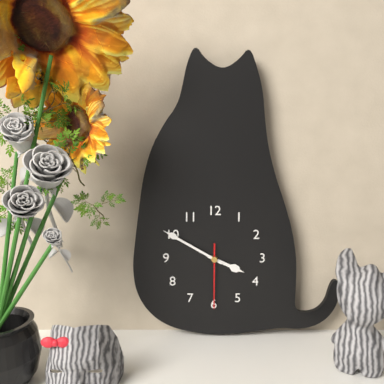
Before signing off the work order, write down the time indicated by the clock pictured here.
3:50:30
